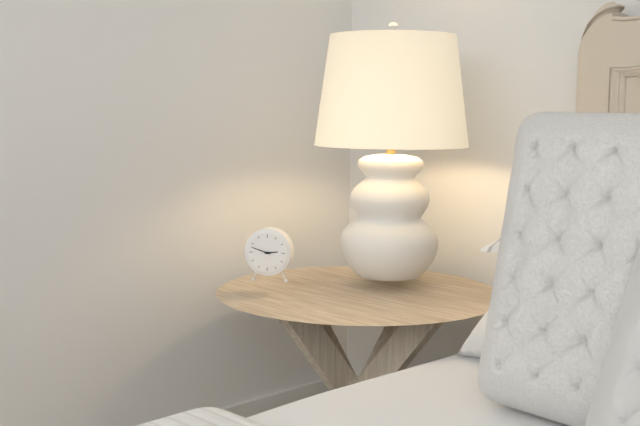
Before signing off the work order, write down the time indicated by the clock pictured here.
2:48
